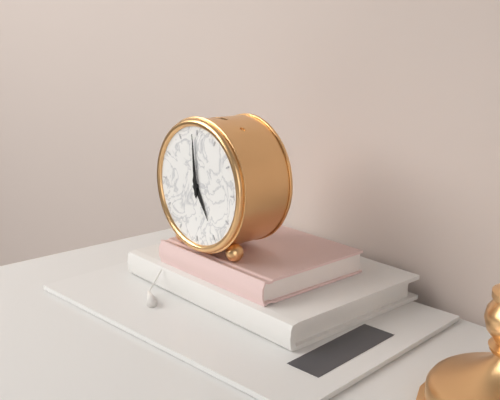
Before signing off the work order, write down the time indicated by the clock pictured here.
4:59
